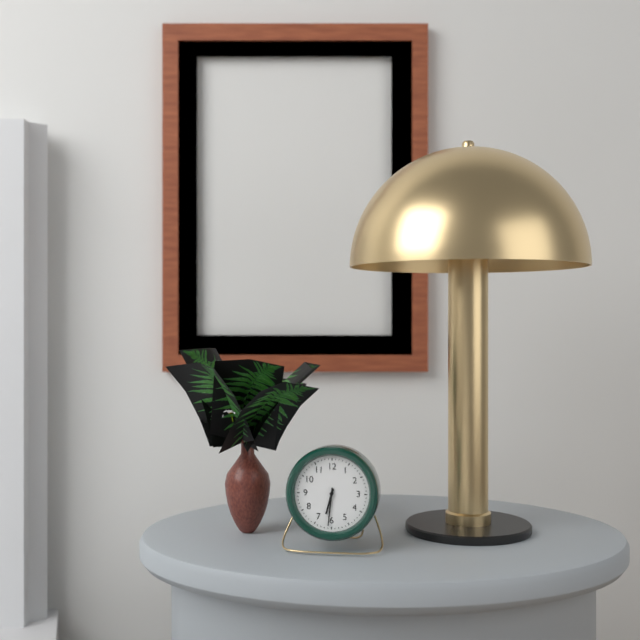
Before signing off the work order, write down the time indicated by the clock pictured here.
6:31
